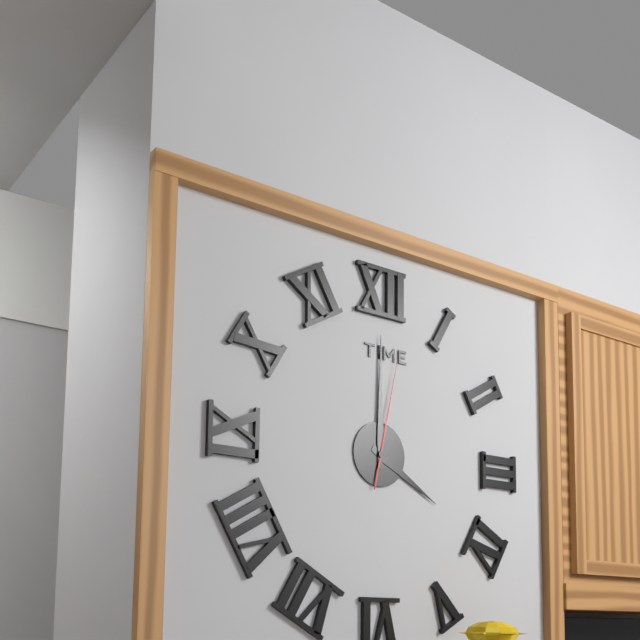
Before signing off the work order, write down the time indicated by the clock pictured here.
4:00:02
